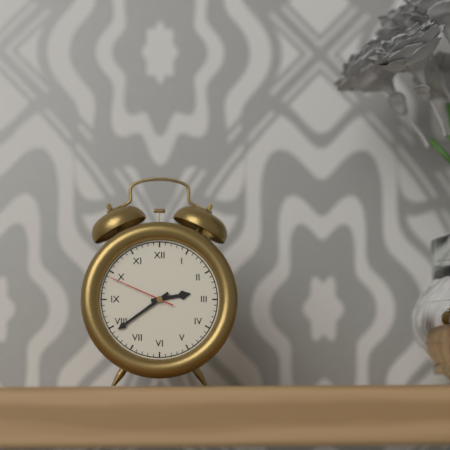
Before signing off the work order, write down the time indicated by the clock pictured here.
2:39:49
